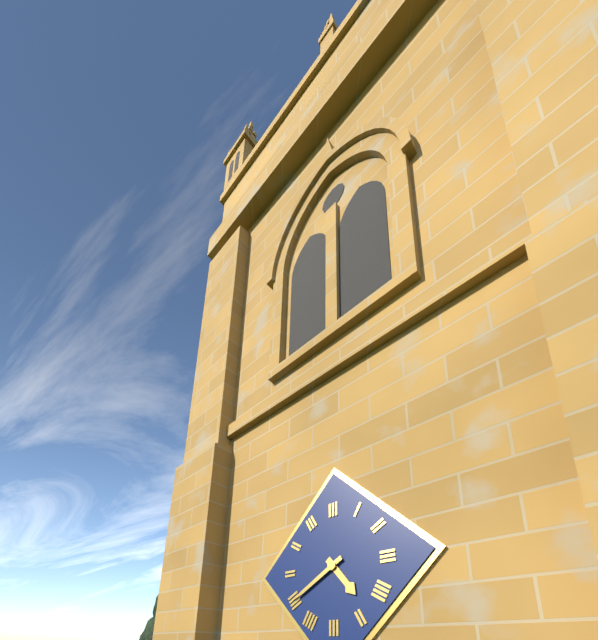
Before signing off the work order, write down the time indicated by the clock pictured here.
4:40
